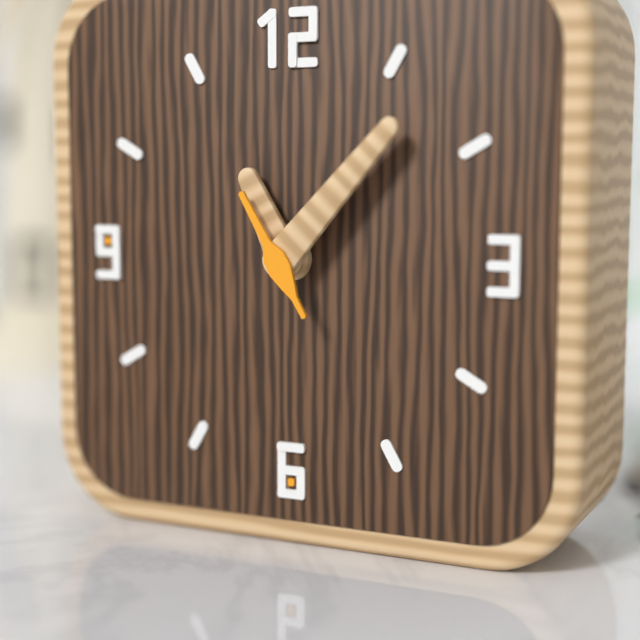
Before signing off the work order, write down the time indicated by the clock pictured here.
11:07:55
